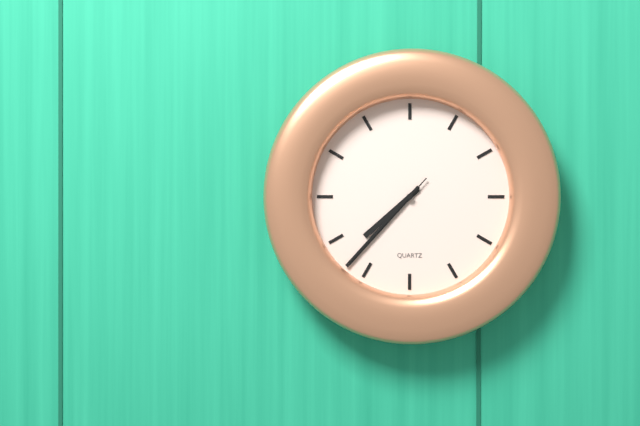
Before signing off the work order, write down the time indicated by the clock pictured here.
7:37:37
